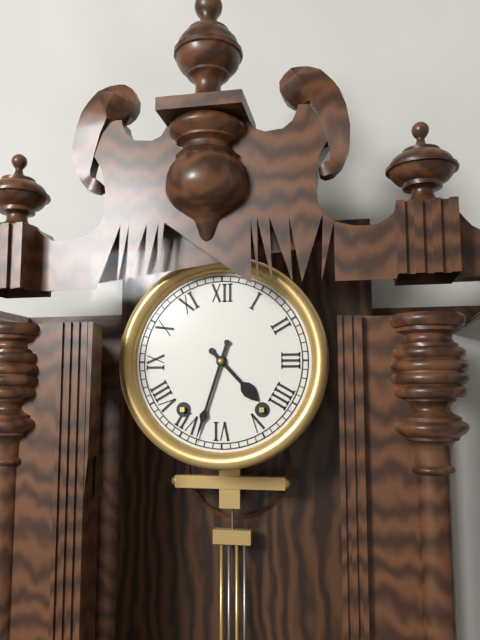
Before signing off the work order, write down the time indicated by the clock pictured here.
4:33
